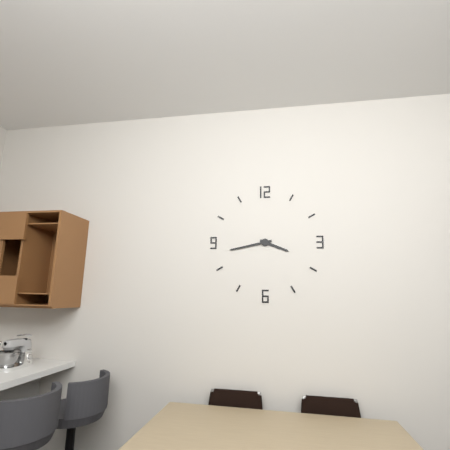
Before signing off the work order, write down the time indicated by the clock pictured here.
3:43
